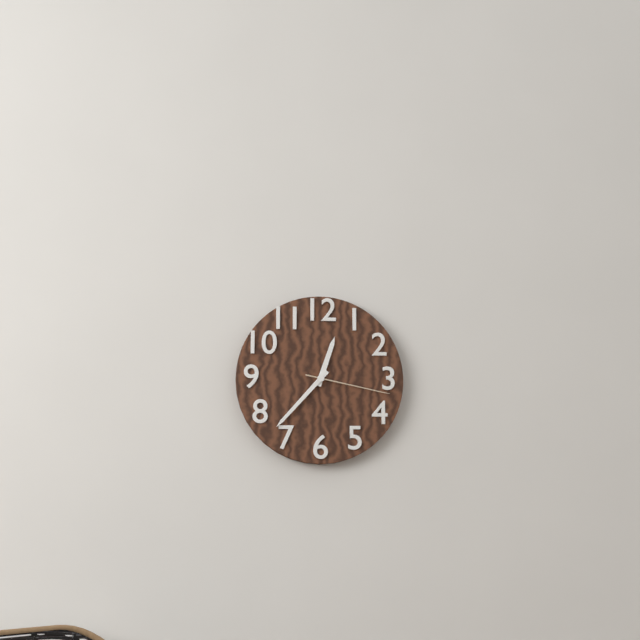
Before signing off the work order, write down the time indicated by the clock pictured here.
12:37:17
